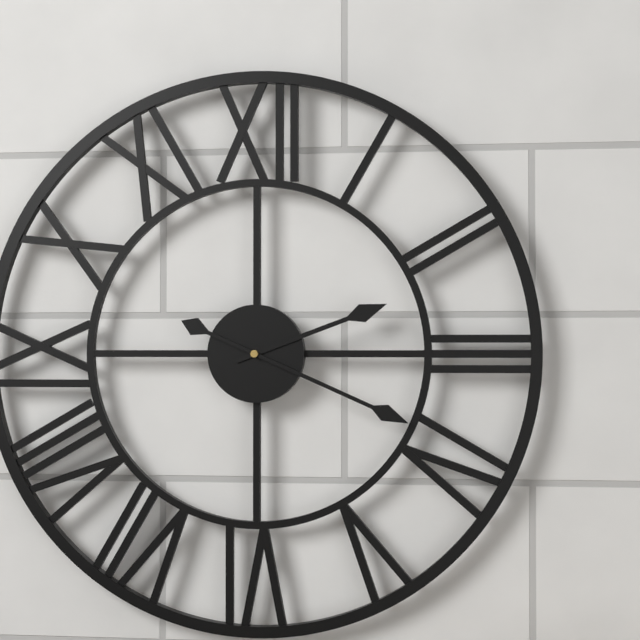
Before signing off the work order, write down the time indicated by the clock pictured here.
2:19
